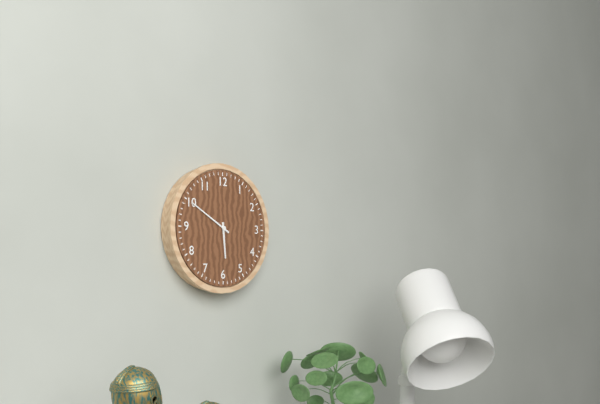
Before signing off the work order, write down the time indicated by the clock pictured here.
5:50
